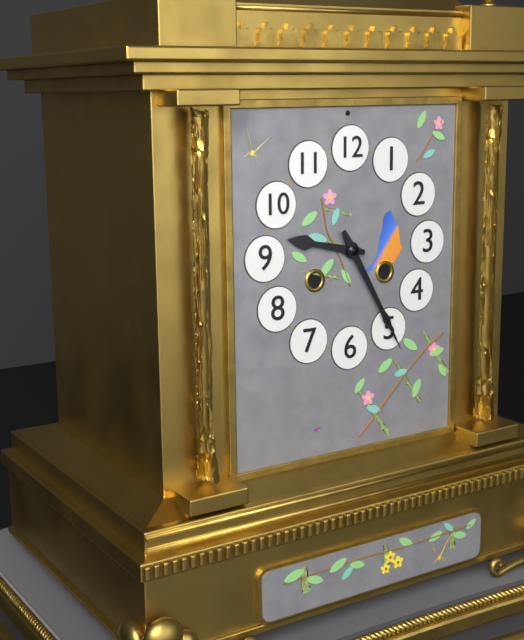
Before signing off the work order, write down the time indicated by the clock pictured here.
9:25
